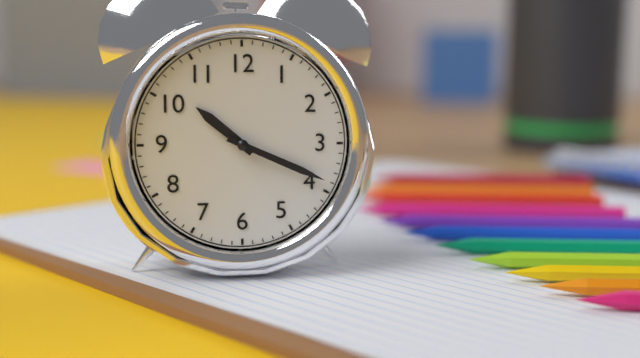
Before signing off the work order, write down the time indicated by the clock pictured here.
10:19
